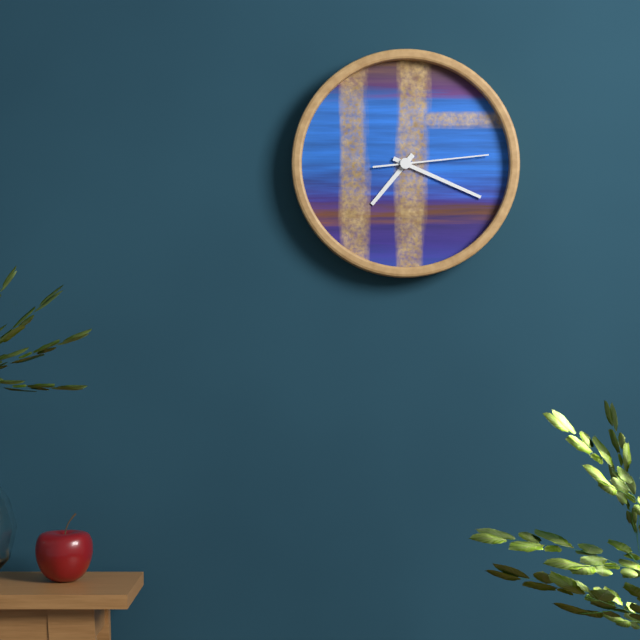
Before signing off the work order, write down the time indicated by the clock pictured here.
7:19:14
